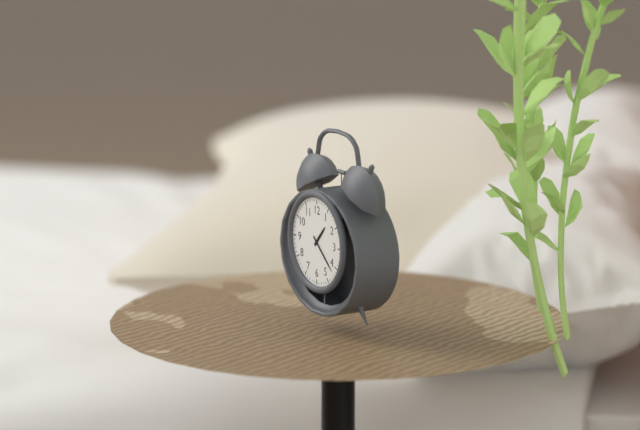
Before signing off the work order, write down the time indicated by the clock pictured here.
1:22
